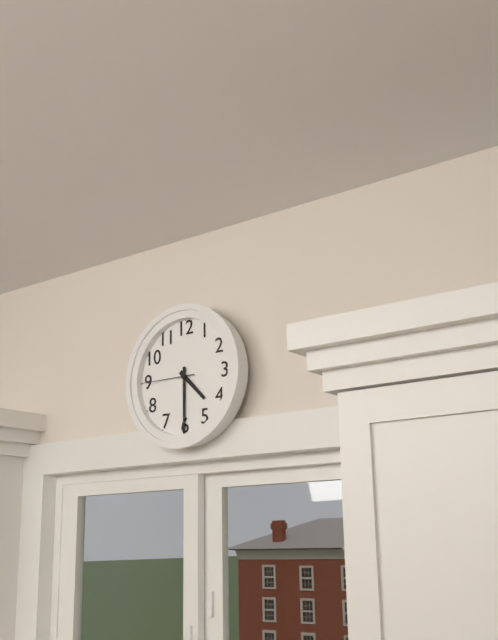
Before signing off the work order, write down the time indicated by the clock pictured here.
4:30:45
